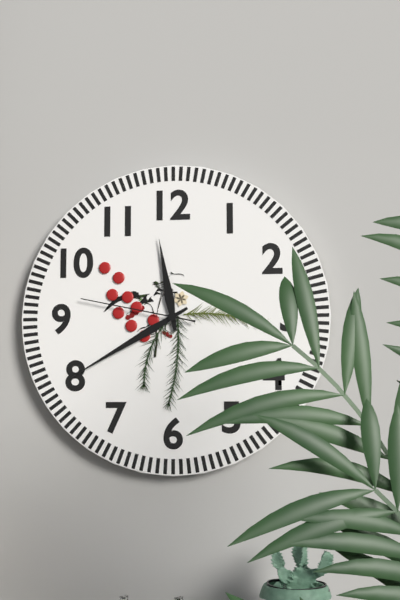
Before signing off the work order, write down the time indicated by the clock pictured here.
11:40:47
